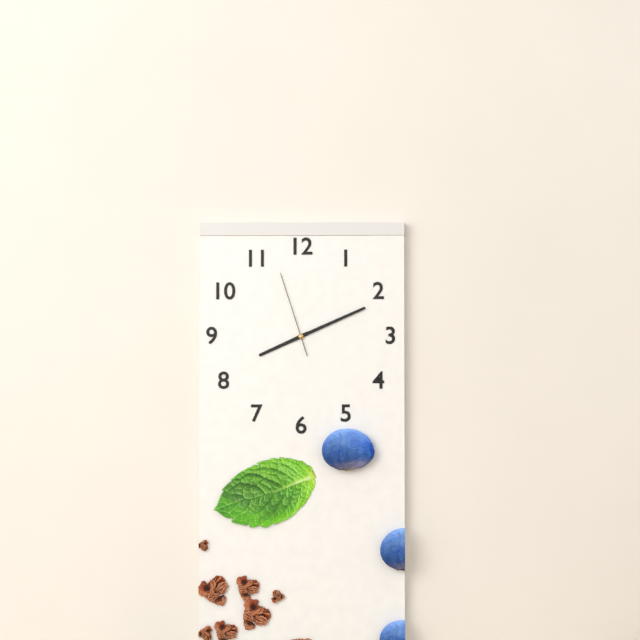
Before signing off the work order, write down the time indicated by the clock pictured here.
8:11:57
